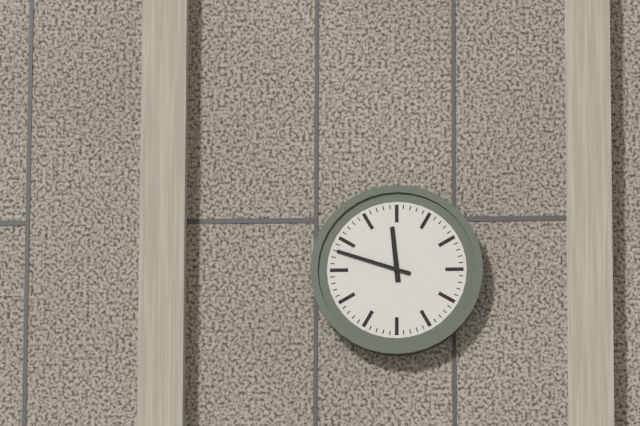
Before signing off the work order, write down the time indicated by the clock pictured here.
11:48
